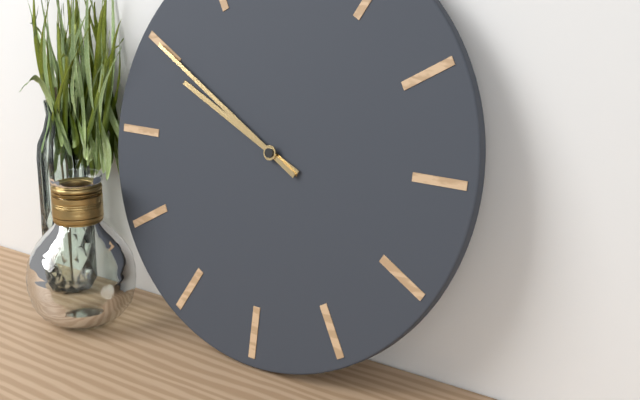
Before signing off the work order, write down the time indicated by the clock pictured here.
9:50
